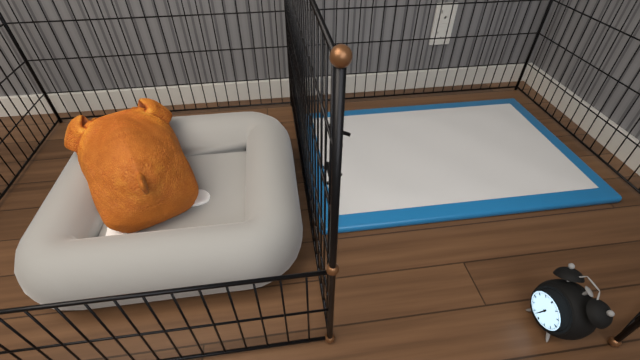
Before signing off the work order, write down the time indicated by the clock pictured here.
6:33
